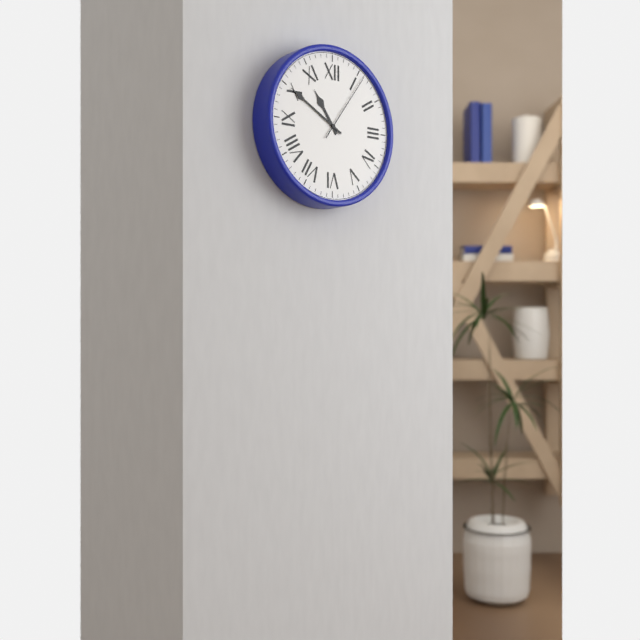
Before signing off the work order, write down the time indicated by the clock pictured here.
10:50:06
